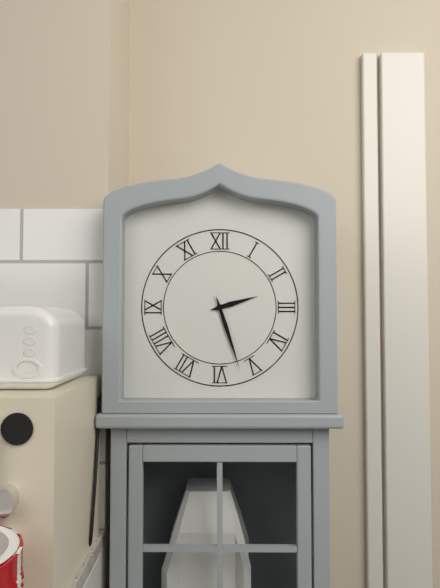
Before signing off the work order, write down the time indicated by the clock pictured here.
2:27
